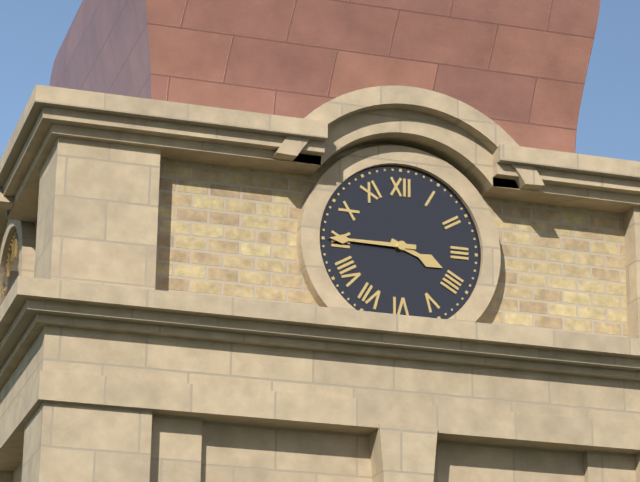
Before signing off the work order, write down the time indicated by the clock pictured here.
3:45
